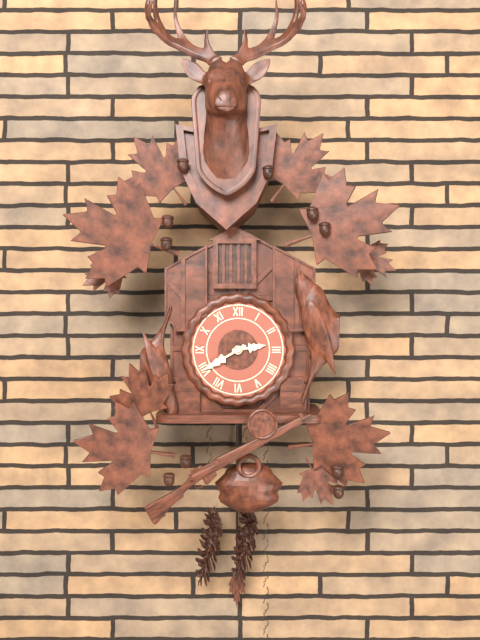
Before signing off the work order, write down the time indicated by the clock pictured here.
2:40
